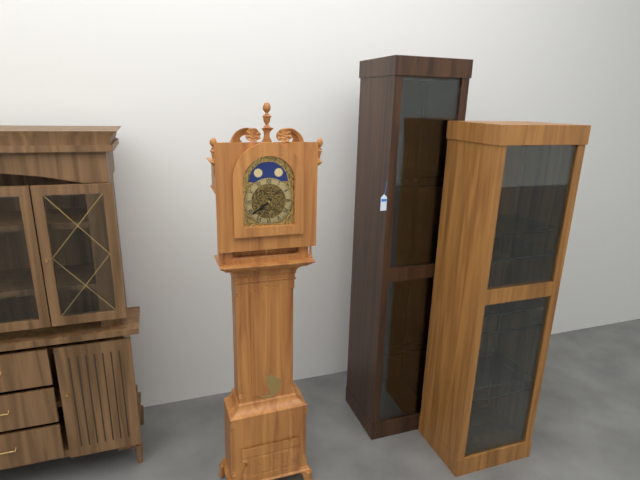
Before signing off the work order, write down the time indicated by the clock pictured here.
7:39
